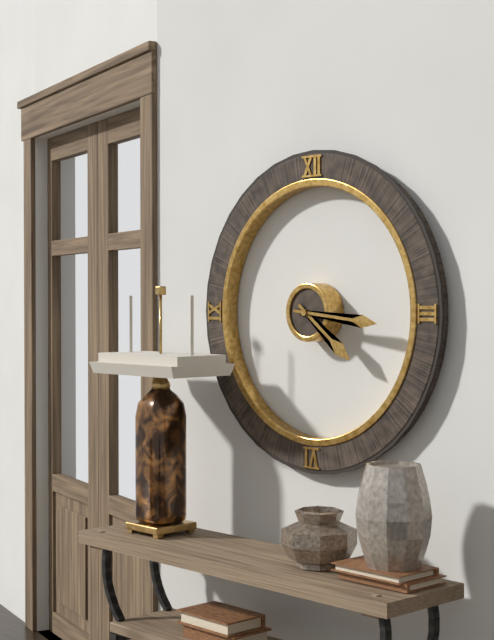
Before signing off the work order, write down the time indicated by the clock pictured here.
4:16
